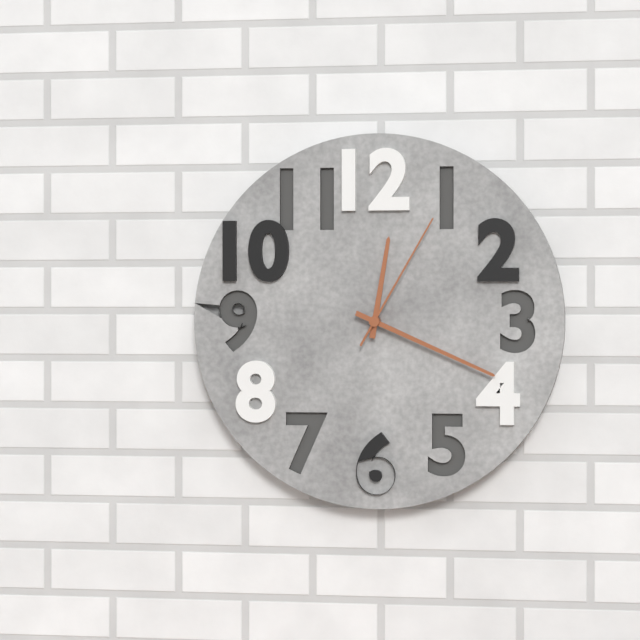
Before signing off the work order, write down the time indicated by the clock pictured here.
12:19:05
